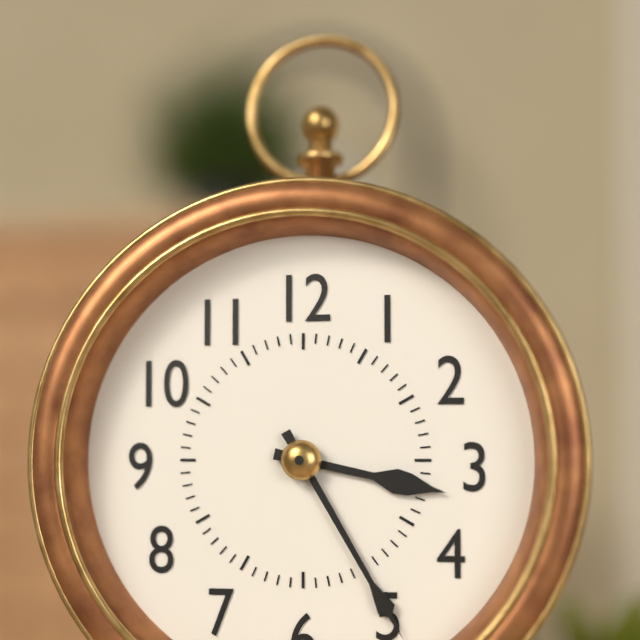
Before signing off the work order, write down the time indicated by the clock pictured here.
3:25
